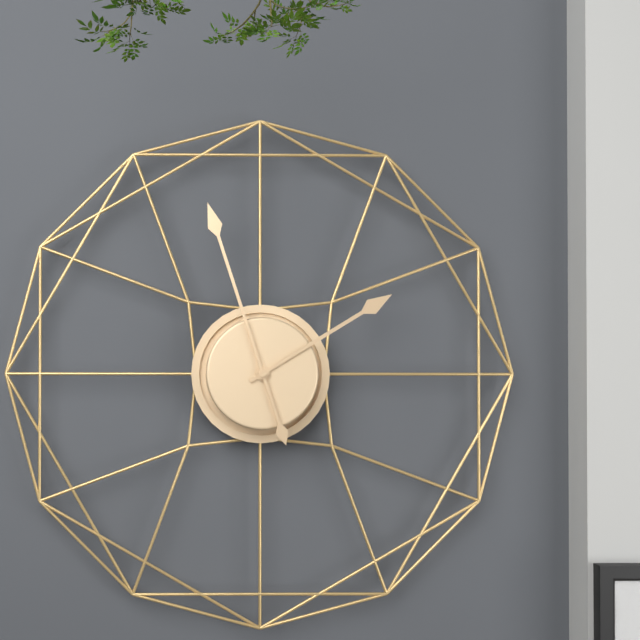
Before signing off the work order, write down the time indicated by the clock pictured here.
1:57
